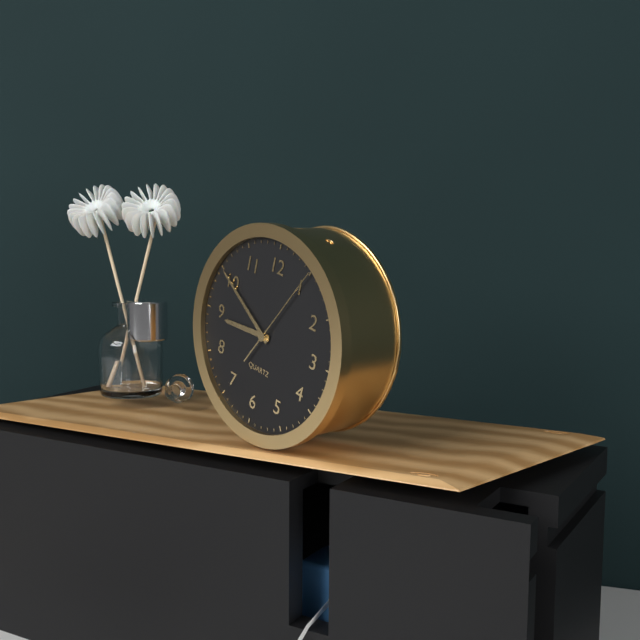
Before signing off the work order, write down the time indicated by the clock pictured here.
8:50:05
